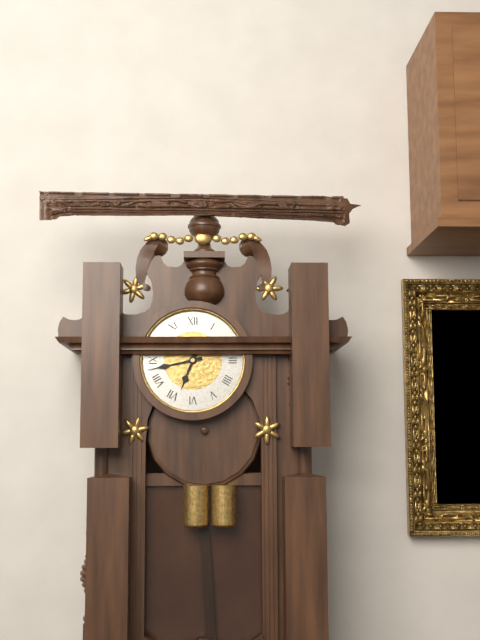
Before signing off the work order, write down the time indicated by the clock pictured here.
6:43
